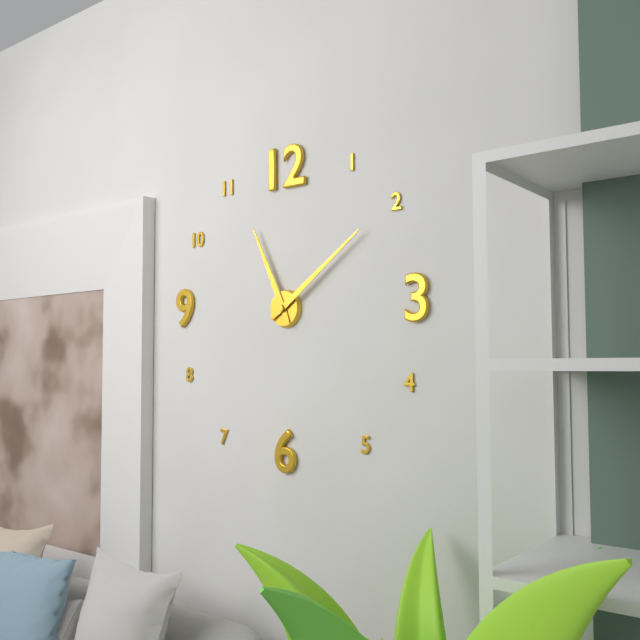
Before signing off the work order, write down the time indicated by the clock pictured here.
11:09
